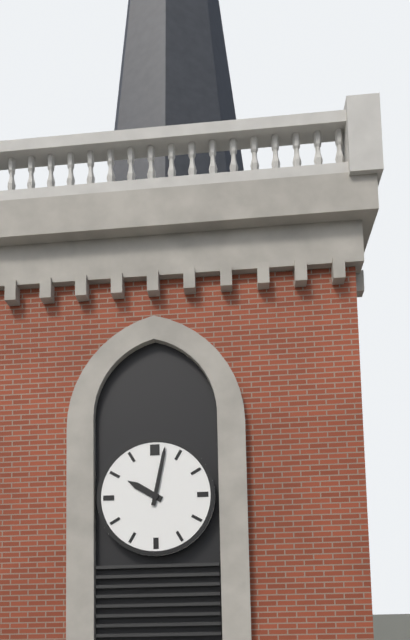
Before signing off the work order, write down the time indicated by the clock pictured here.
10:02
